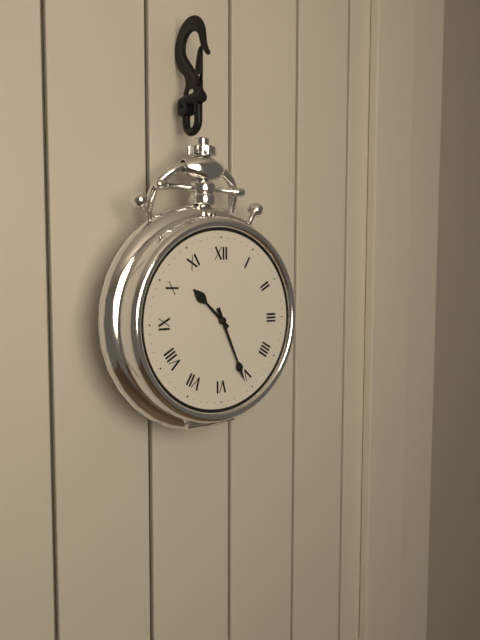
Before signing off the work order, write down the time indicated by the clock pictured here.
10:26
